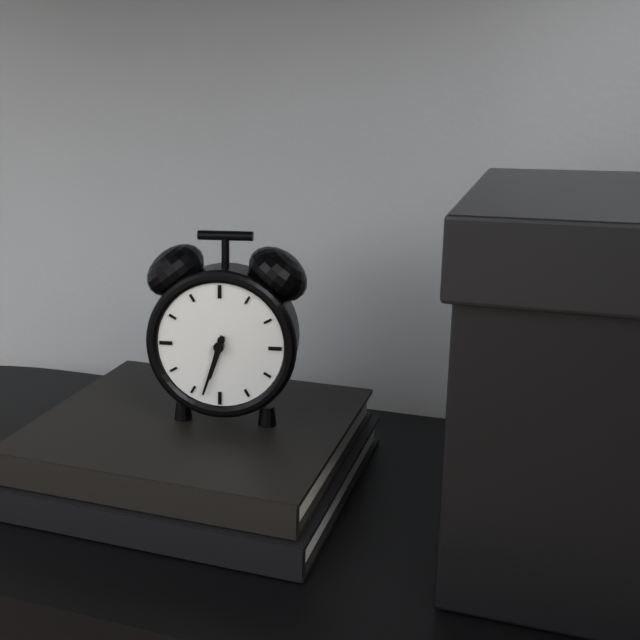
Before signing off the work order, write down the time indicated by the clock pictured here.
6:33
